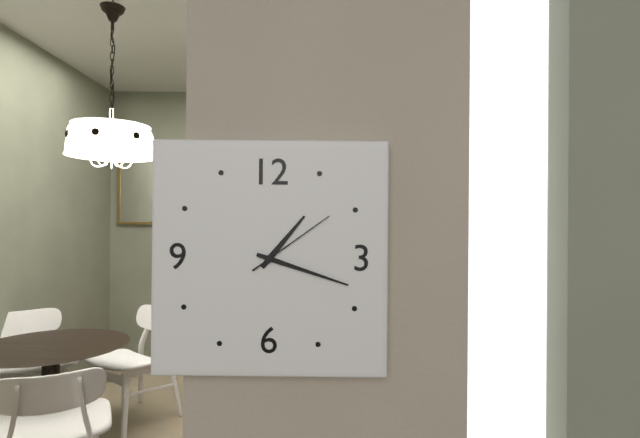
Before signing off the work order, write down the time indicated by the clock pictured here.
1:18:09
